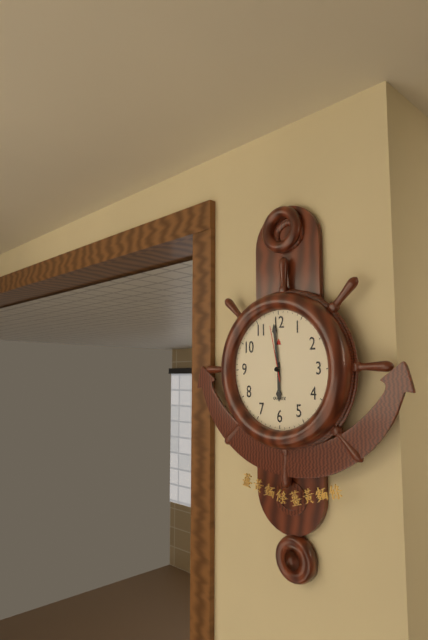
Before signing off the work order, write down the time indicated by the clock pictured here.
5:59:58
